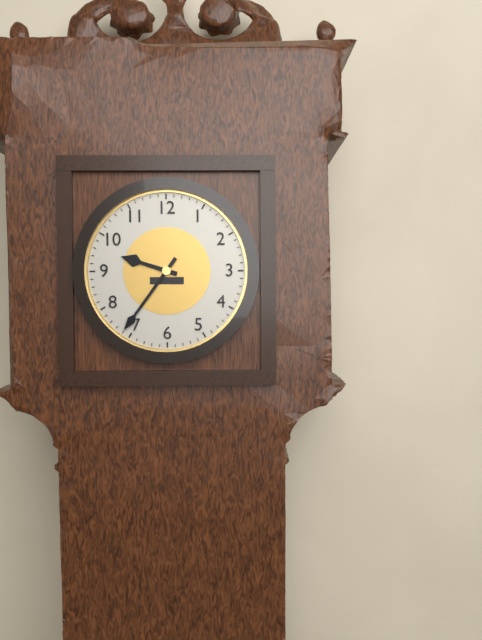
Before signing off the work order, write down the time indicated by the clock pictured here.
9:36
